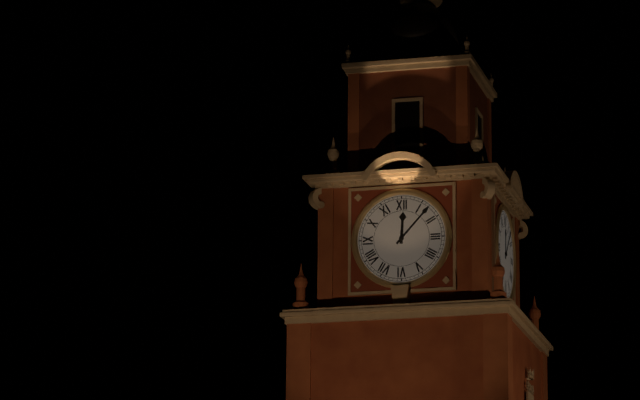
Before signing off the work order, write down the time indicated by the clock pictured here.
12:07
